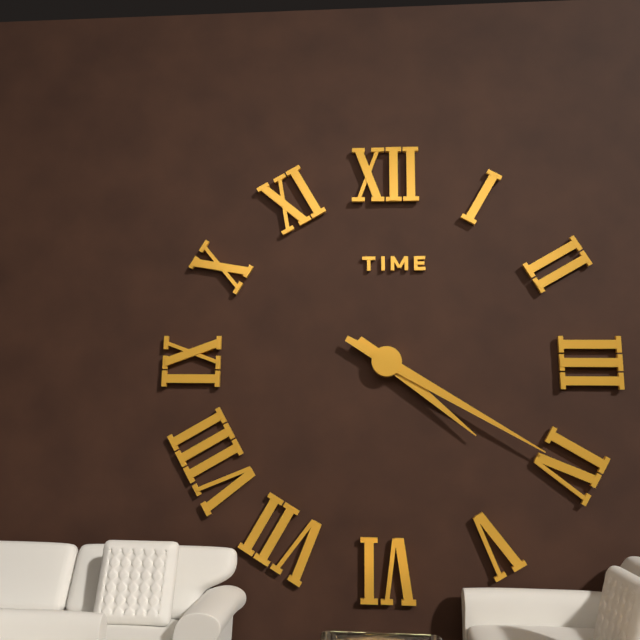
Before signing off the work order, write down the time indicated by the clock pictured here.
4:20
